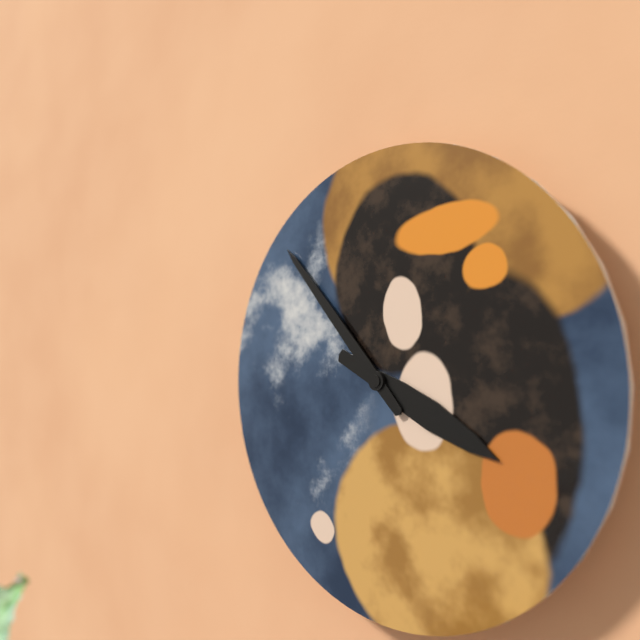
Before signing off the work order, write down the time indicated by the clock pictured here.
3:53
